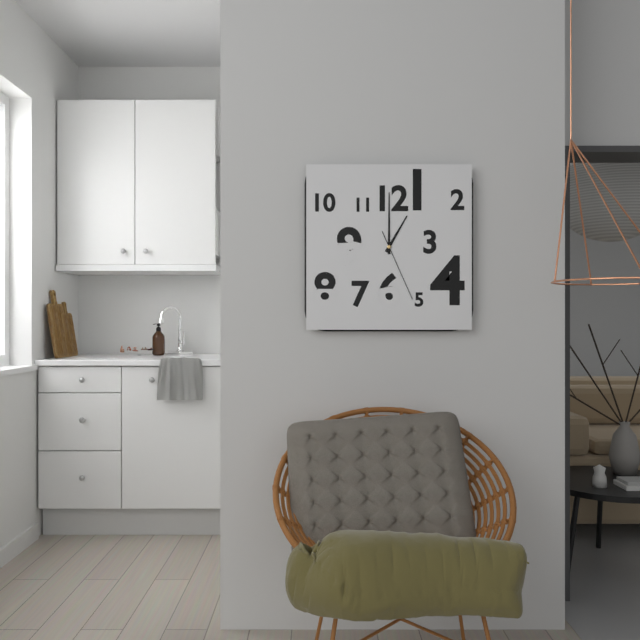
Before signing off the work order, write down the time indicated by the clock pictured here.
1:00:26
